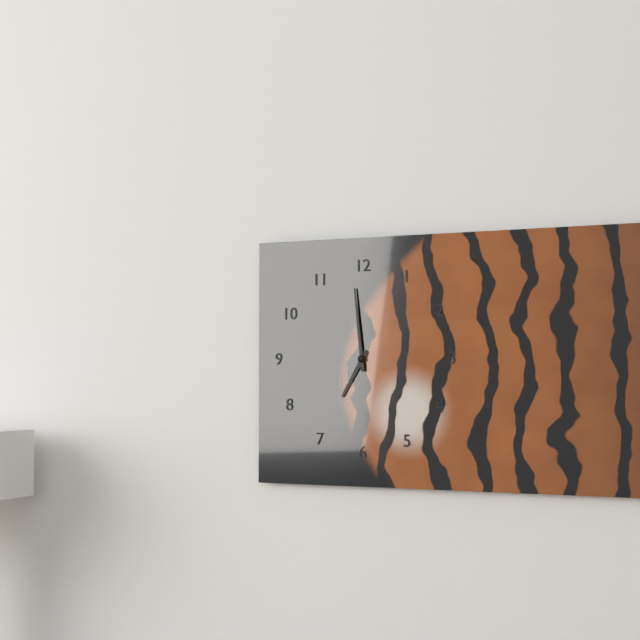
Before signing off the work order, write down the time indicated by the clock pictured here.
6:59
